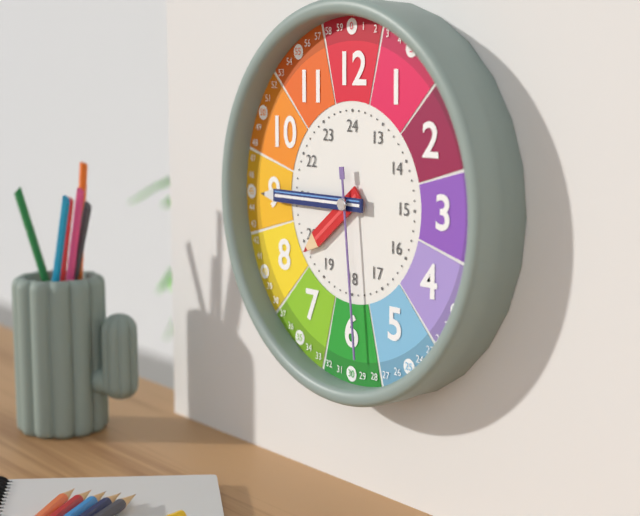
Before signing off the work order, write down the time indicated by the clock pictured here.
7:45:29
